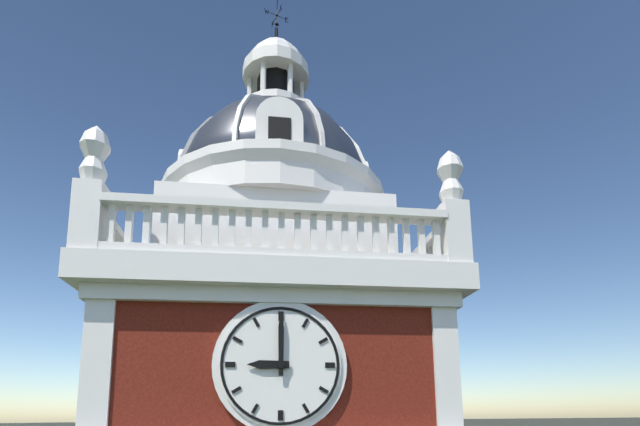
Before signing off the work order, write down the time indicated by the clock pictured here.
9:00
